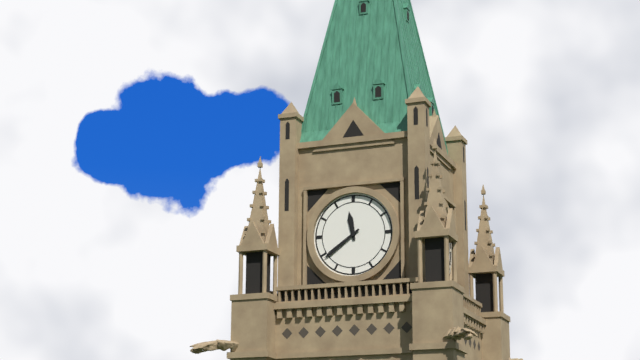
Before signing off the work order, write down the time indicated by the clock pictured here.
11:39
